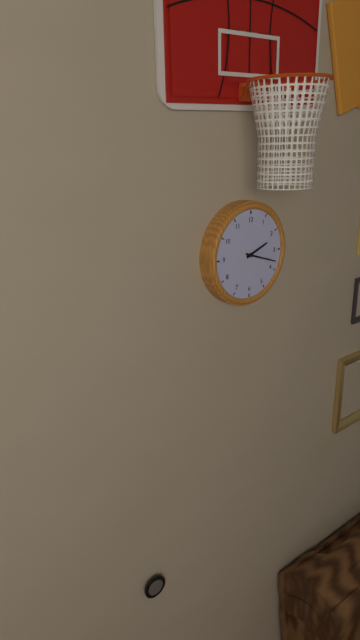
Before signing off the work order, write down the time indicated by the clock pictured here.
2:18
